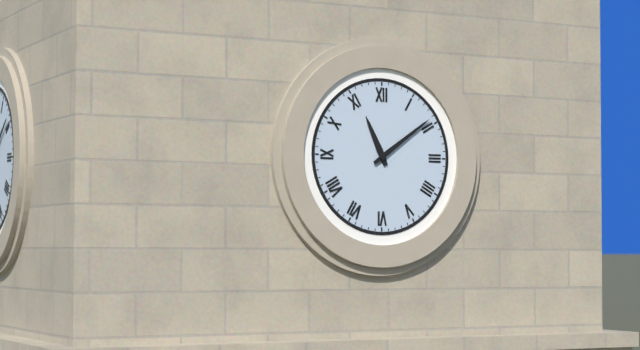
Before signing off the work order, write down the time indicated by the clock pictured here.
11:09
